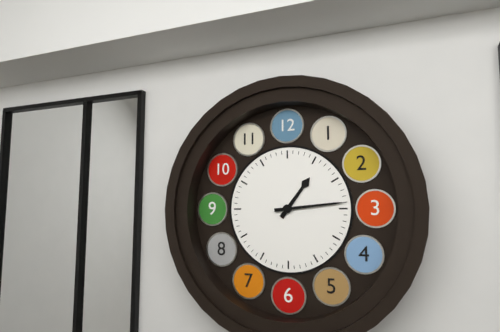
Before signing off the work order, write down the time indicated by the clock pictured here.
1:14
